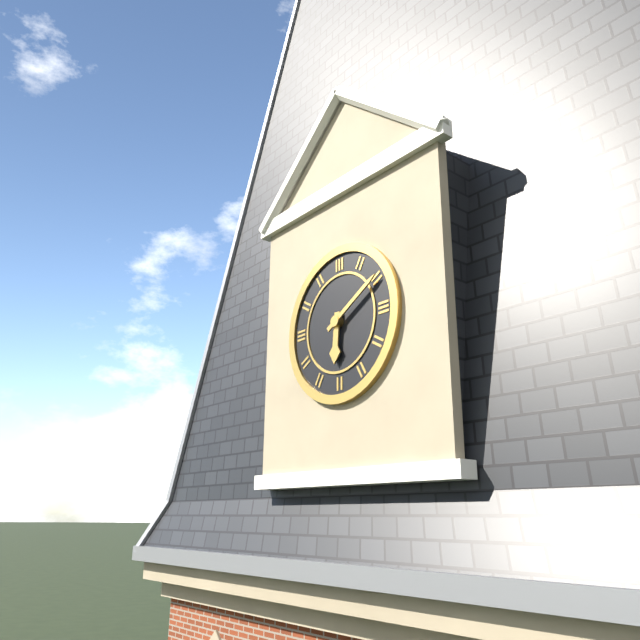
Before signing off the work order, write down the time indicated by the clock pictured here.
6:10
